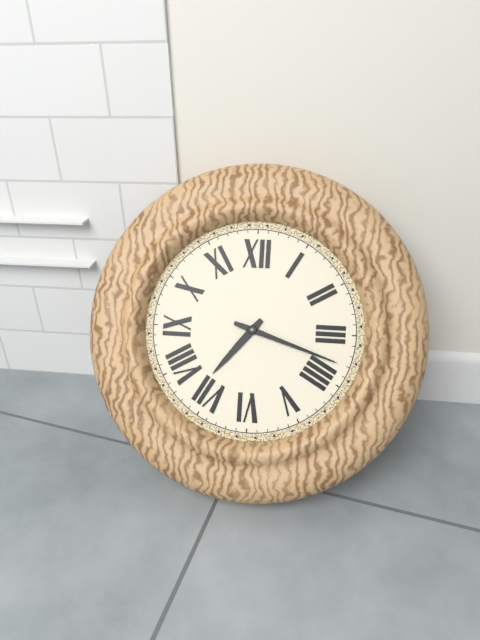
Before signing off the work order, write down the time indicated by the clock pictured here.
7:18
